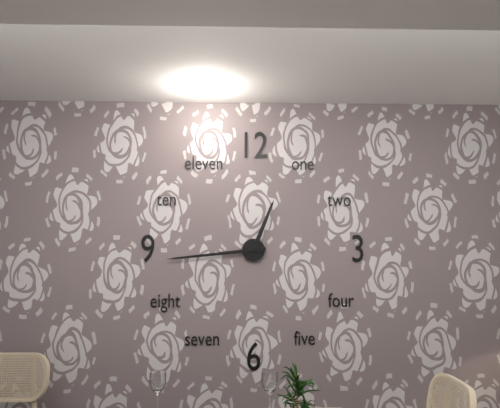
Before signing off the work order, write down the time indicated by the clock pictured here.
12:44
